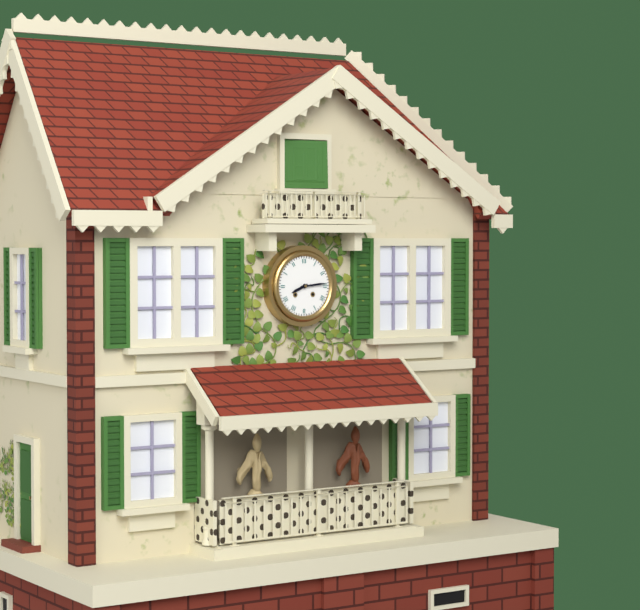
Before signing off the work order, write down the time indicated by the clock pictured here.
8:14
